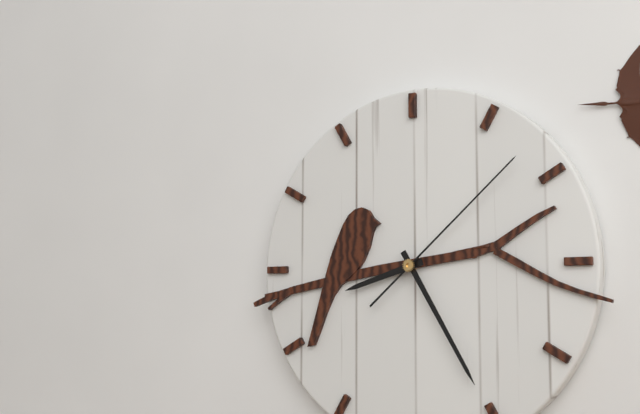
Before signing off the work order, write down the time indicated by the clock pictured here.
8:25:08
